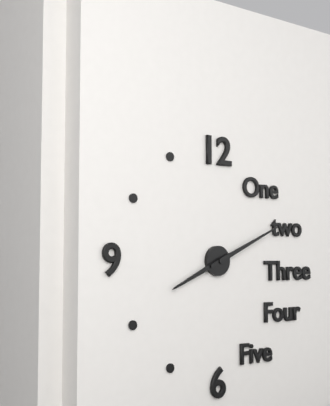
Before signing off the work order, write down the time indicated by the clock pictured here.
8:11
